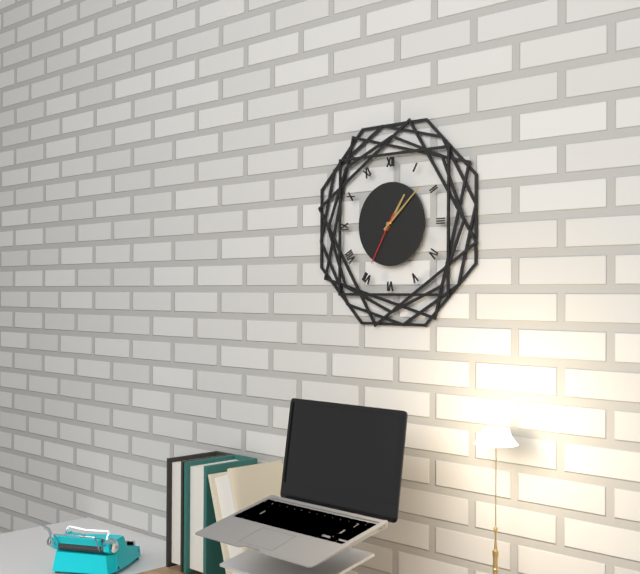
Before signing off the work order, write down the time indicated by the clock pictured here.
1:08:35
